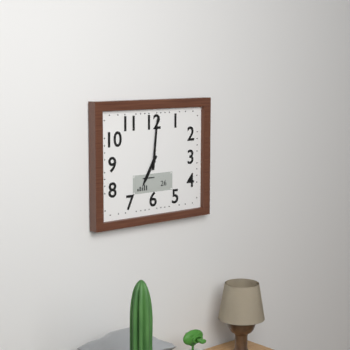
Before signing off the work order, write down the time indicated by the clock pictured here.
7:01
